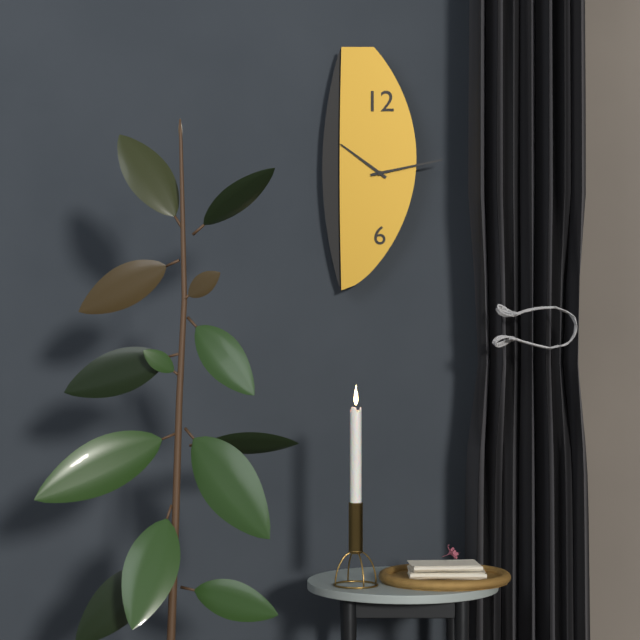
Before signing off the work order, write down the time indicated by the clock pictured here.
10:13
